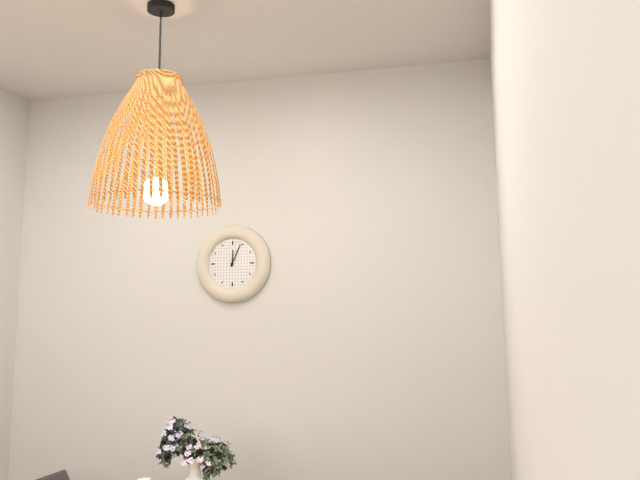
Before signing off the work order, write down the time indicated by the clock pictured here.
12:04
